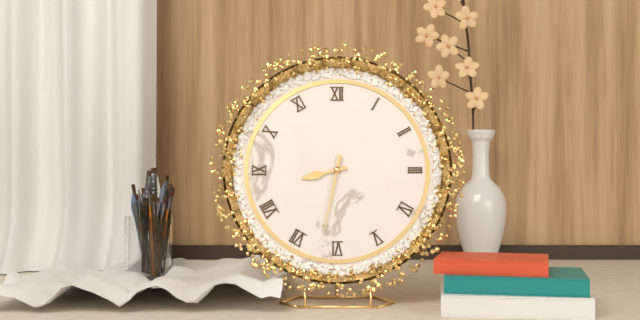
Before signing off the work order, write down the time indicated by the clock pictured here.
8:32
